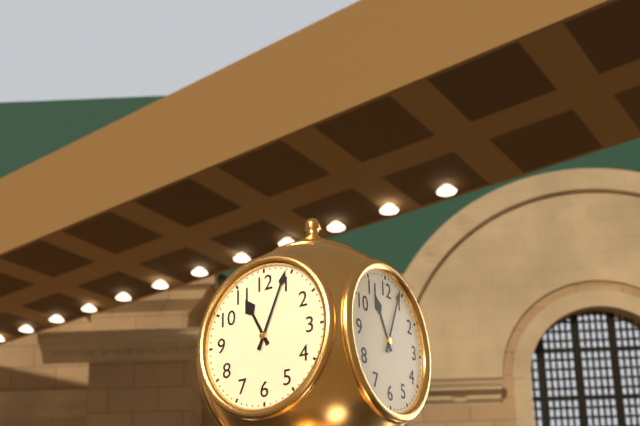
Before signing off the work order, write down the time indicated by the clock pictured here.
11:04
